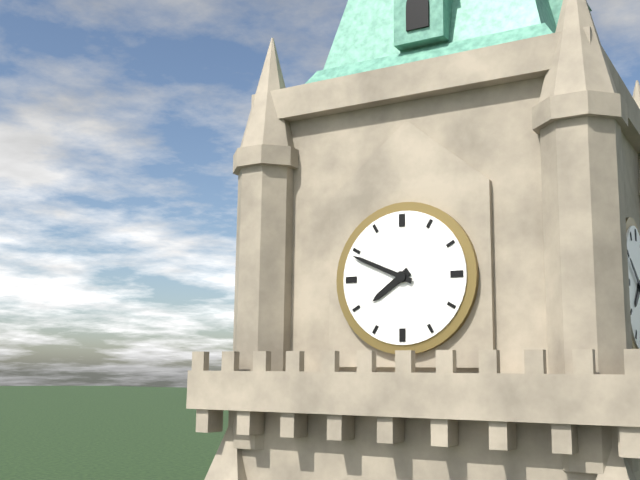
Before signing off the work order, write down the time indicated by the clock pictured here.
7:49
